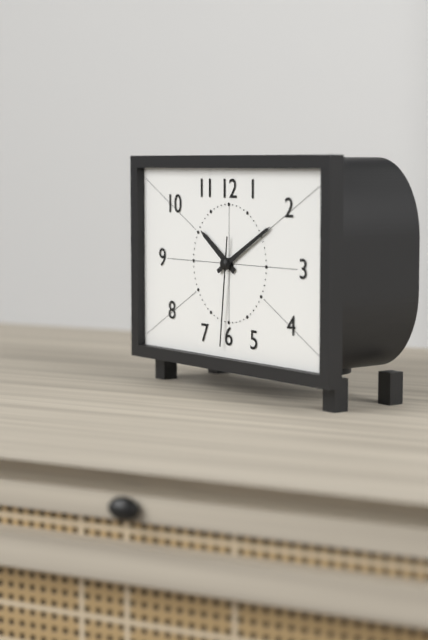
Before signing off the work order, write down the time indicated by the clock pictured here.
10:10:31
